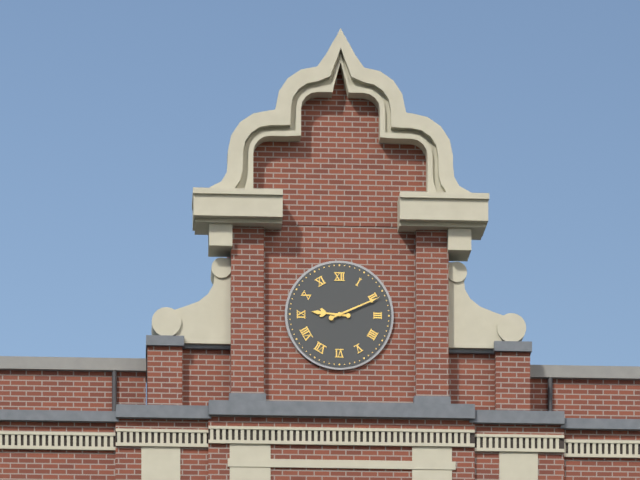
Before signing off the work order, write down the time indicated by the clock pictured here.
9:11
